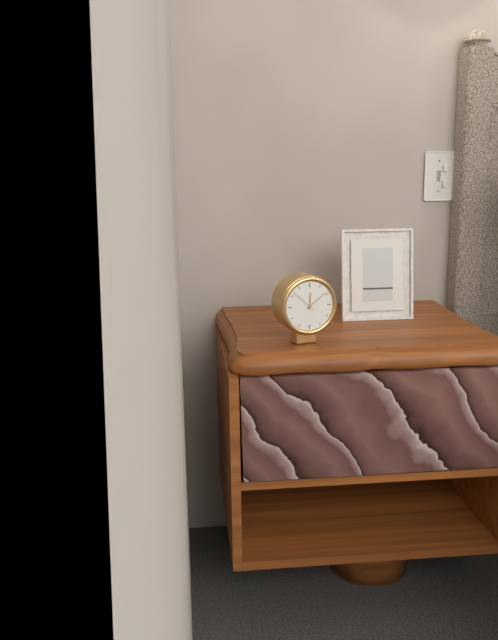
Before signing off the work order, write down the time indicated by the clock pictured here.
12:09
